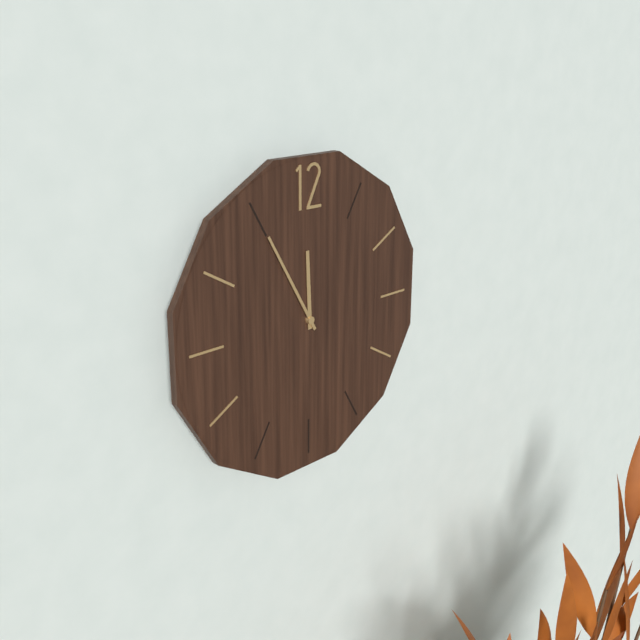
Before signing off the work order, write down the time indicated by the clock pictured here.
11:55
